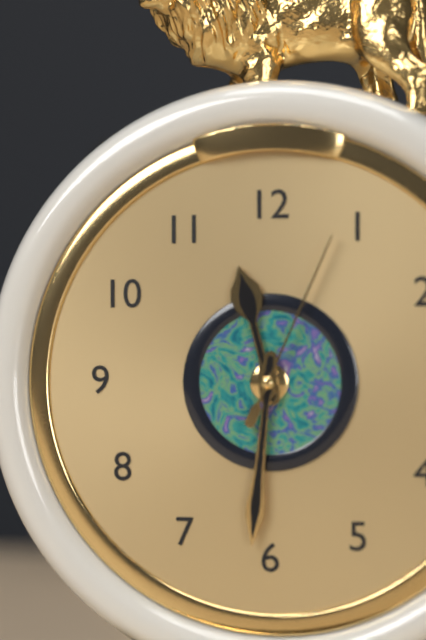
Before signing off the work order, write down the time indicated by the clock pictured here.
11:31:04
